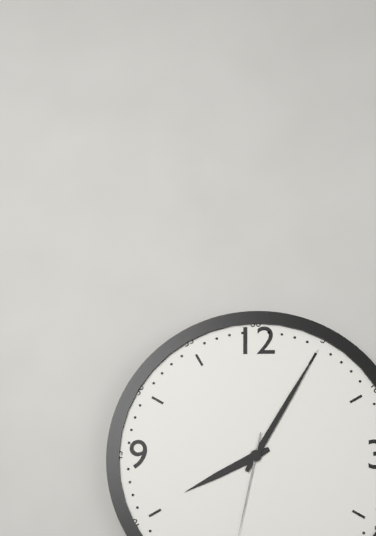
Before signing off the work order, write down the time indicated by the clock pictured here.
8:05
